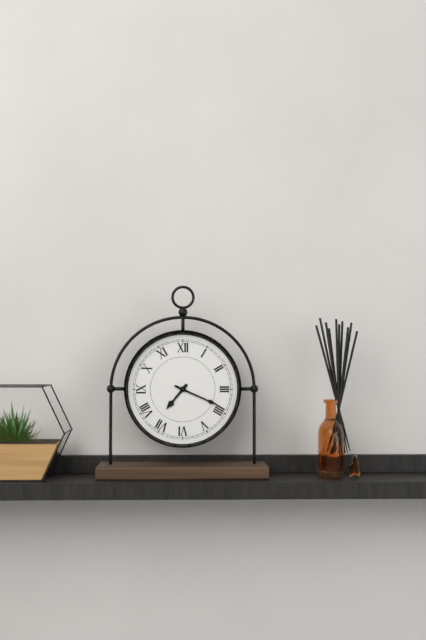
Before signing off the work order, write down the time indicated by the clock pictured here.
7:19
